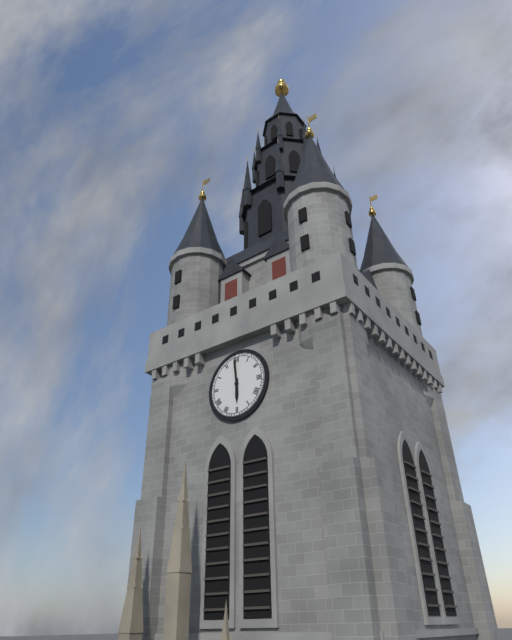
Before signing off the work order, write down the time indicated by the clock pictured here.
5:59
